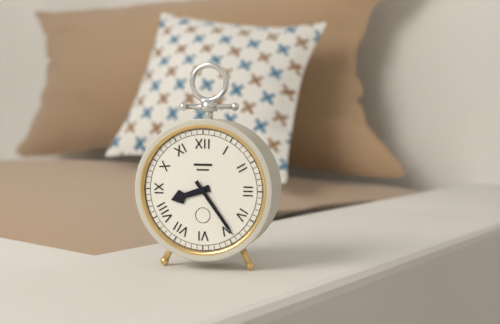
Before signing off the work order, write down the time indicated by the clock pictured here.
8:24
